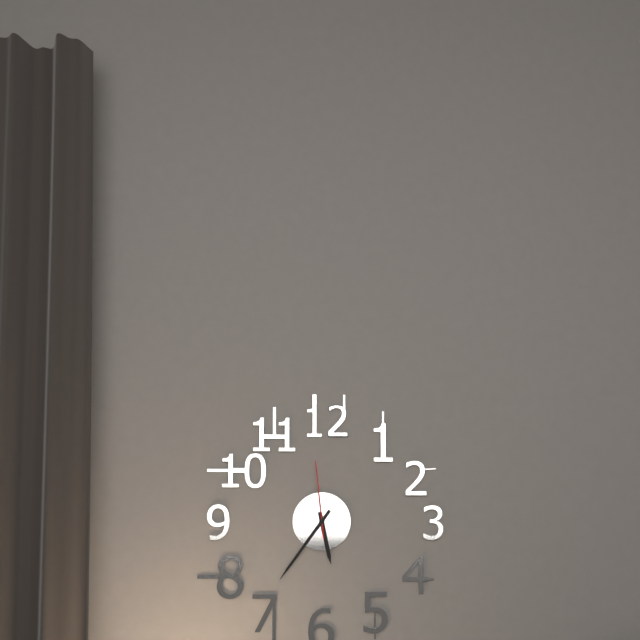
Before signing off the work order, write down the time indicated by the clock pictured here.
5:36:59
